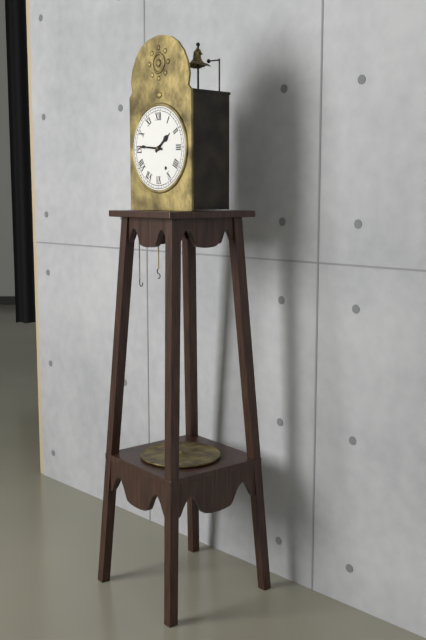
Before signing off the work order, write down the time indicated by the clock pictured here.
1:46
